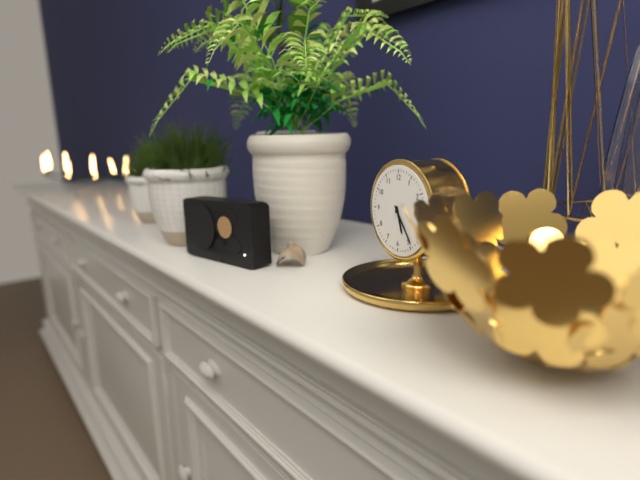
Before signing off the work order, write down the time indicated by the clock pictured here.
5:24
